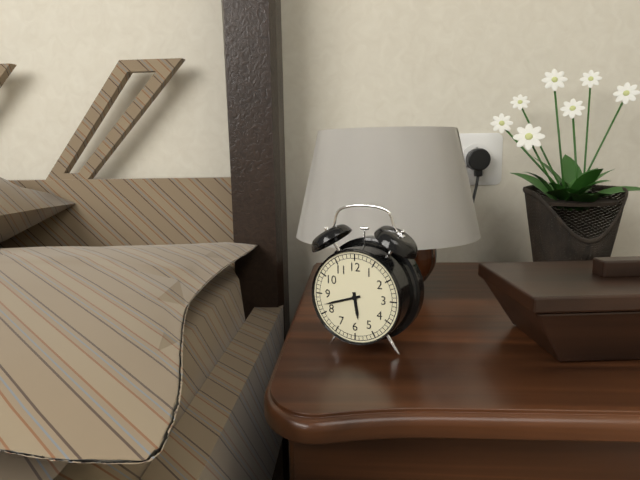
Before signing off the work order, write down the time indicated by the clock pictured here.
5:42
